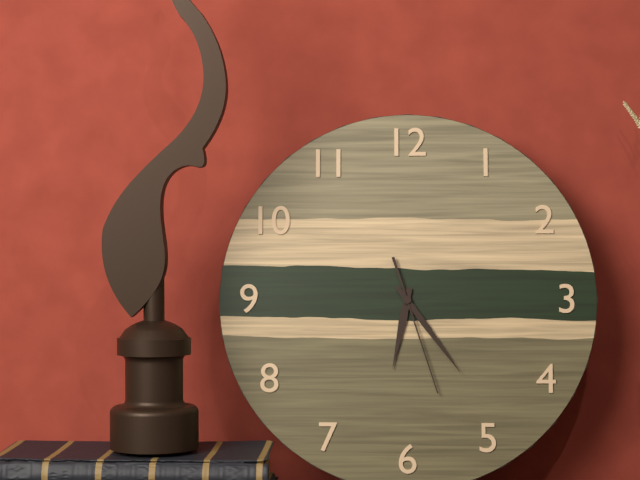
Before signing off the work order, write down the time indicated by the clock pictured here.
6:24:27
